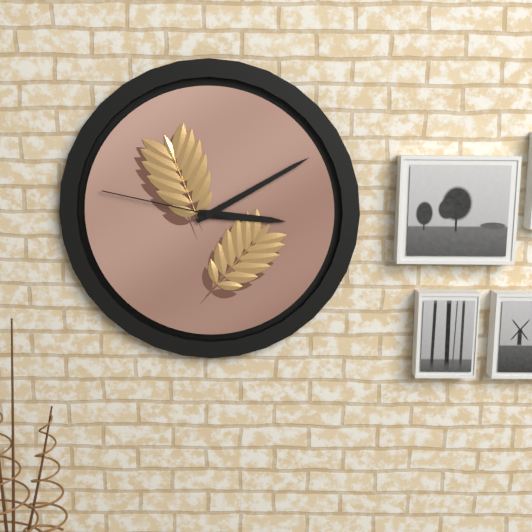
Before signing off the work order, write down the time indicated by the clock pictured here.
3:10:47
